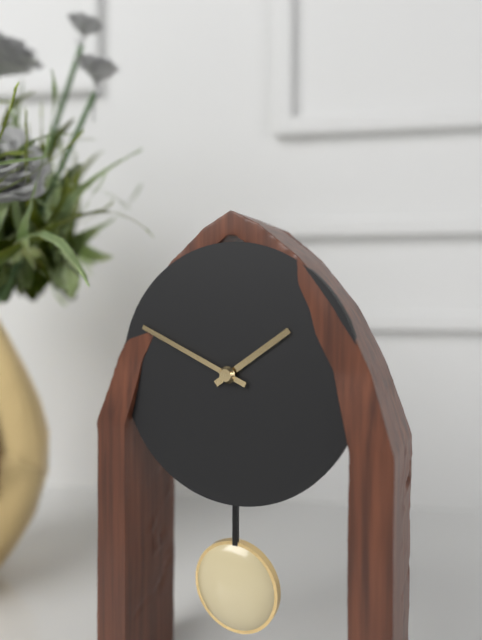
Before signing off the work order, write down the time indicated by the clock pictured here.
1:49
